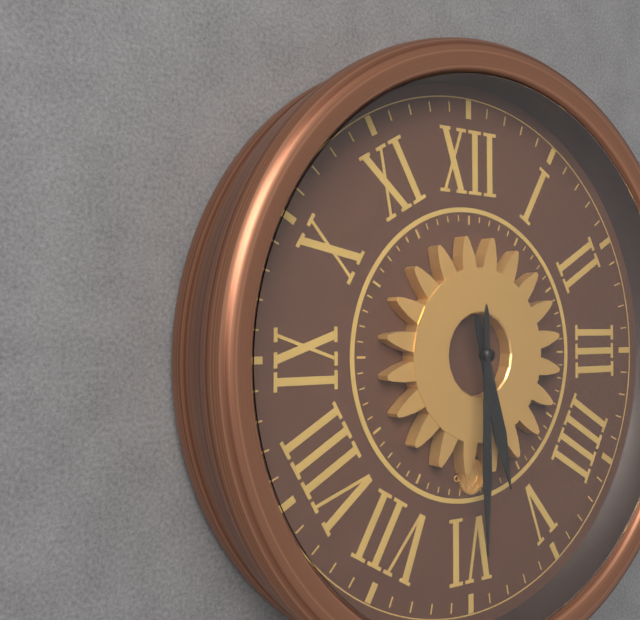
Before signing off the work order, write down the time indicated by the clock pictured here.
5:30
